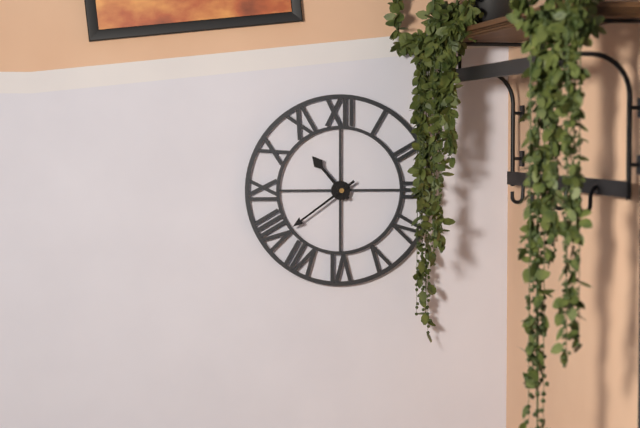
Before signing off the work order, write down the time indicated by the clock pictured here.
10:39
